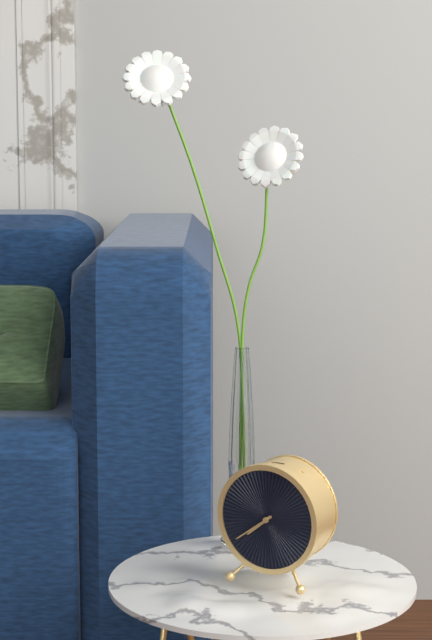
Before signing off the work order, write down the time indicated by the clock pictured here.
7:39
